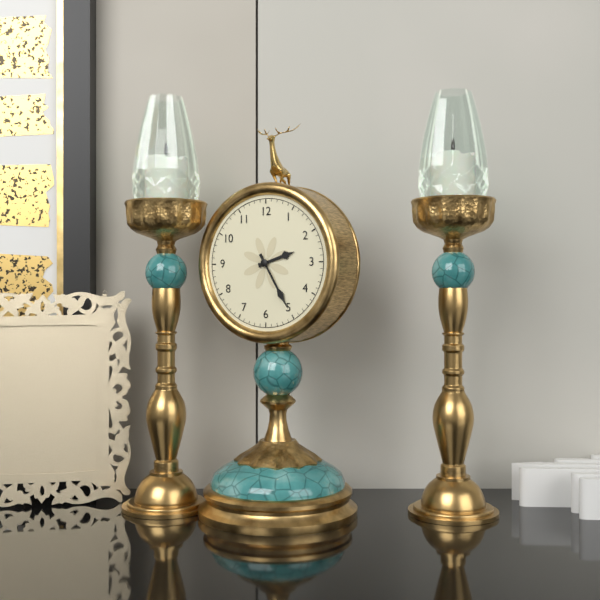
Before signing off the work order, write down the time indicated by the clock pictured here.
2:25
